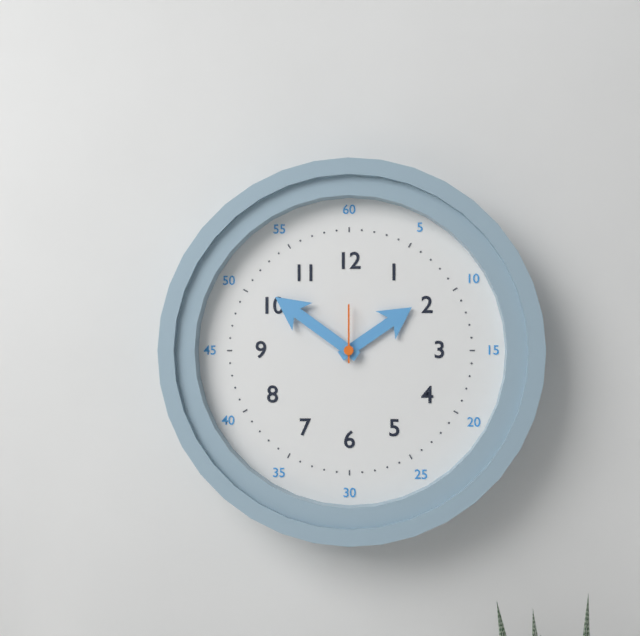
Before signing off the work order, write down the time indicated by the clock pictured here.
1:51:00
